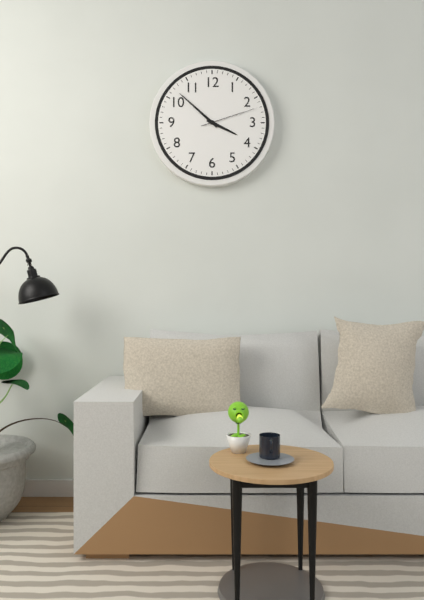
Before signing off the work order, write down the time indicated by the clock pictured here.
3:52:12
